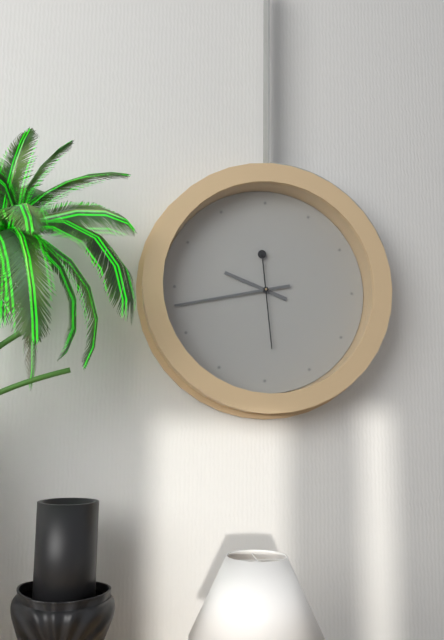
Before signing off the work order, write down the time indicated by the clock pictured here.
9:43:29
